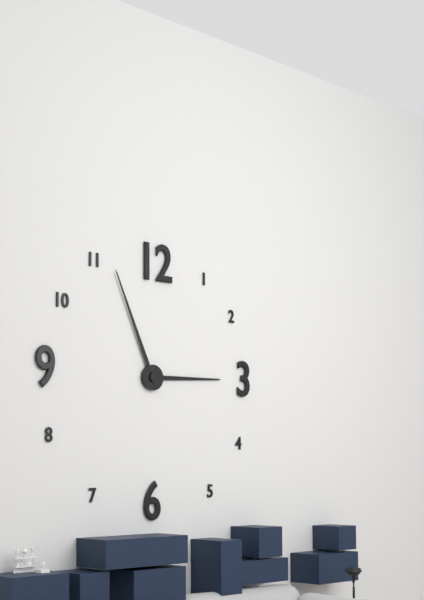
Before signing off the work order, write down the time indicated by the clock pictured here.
2:56
